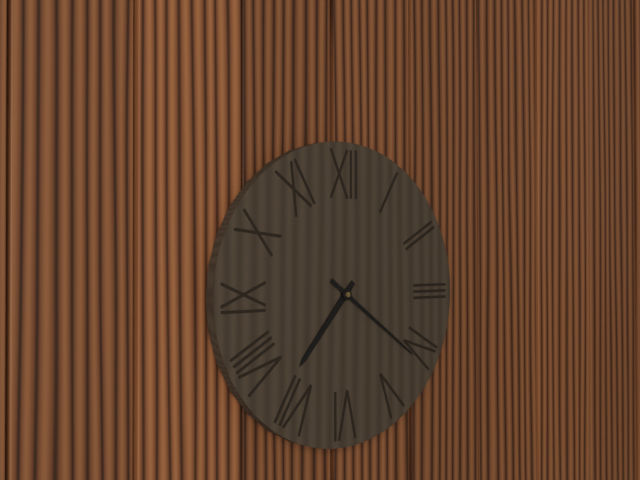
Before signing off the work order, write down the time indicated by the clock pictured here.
7:21
